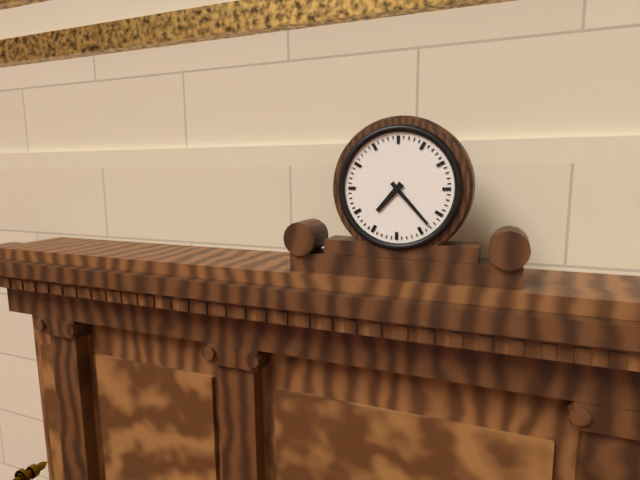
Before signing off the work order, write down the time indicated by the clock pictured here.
7:23
